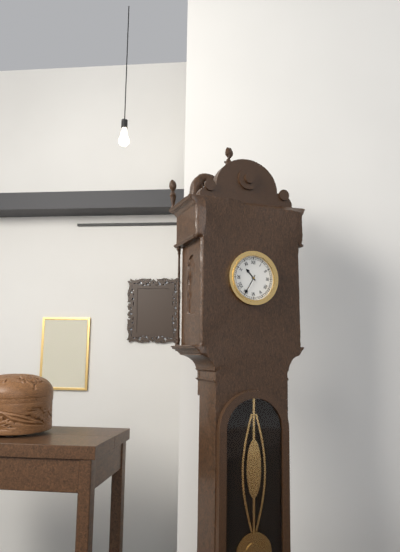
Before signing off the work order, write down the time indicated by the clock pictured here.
10:35
